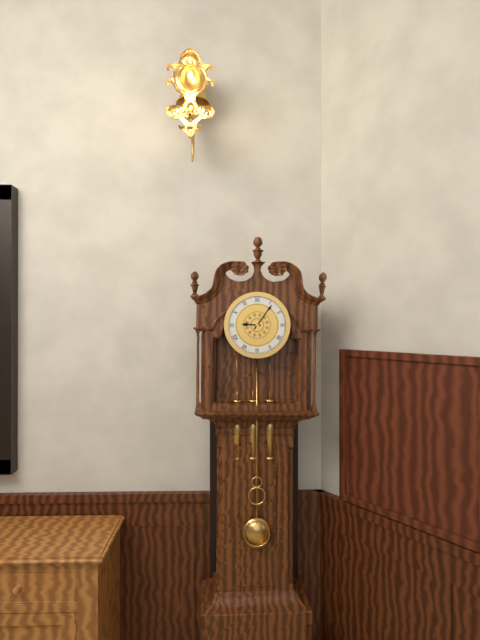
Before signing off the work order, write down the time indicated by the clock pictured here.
9:06
